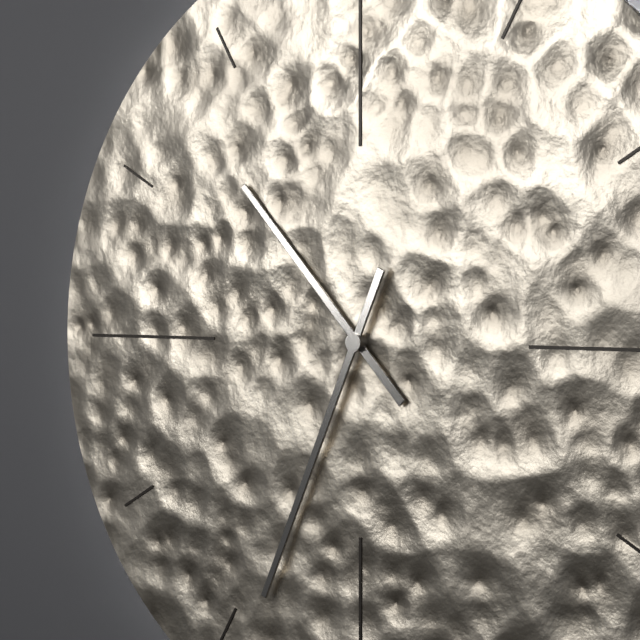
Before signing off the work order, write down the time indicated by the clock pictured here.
10:34
